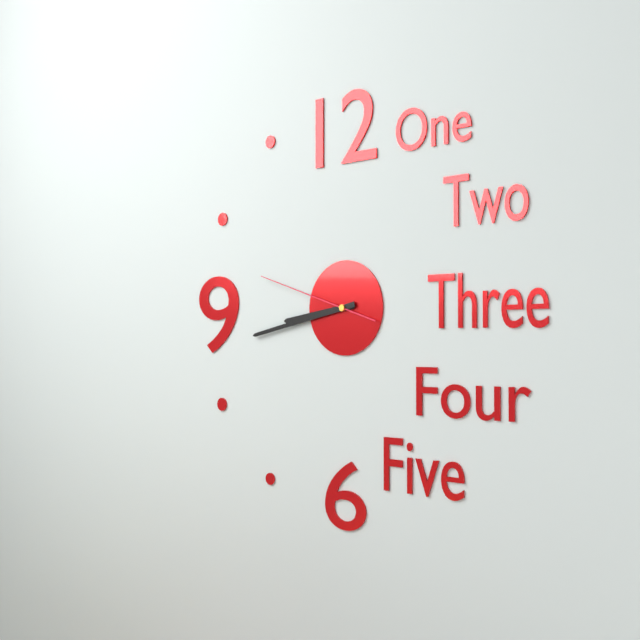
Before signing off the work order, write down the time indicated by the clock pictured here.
8:43:48
